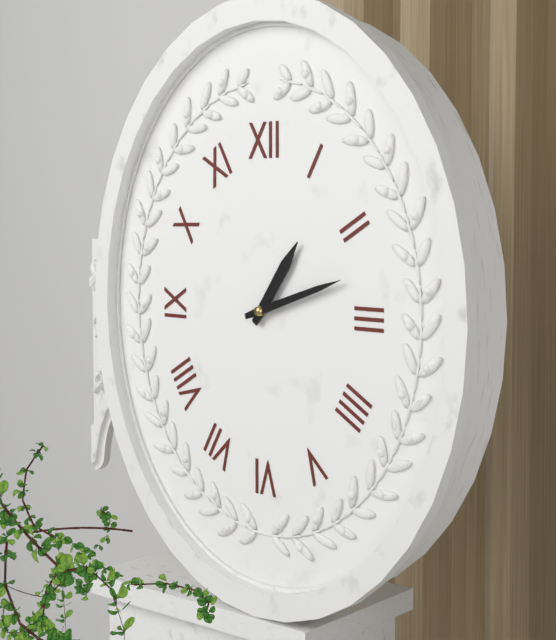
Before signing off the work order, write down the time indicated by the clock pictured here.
1:12
